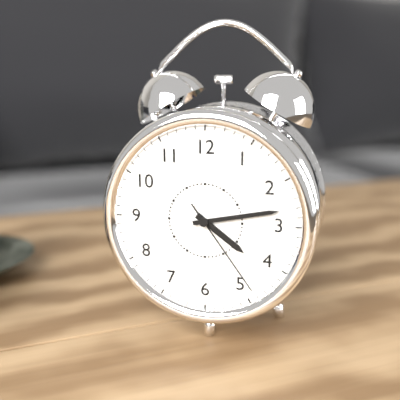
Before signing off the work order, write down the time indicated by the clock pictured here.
4:13:24
